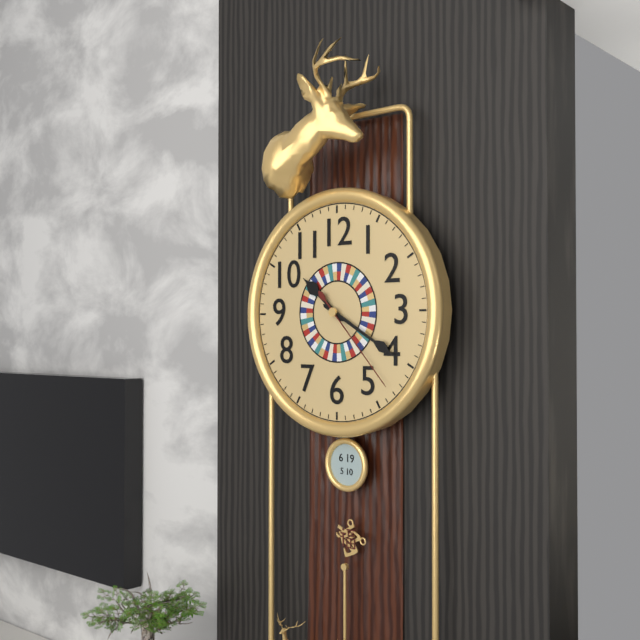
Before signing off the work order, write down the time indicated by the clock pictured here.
10:20:23
